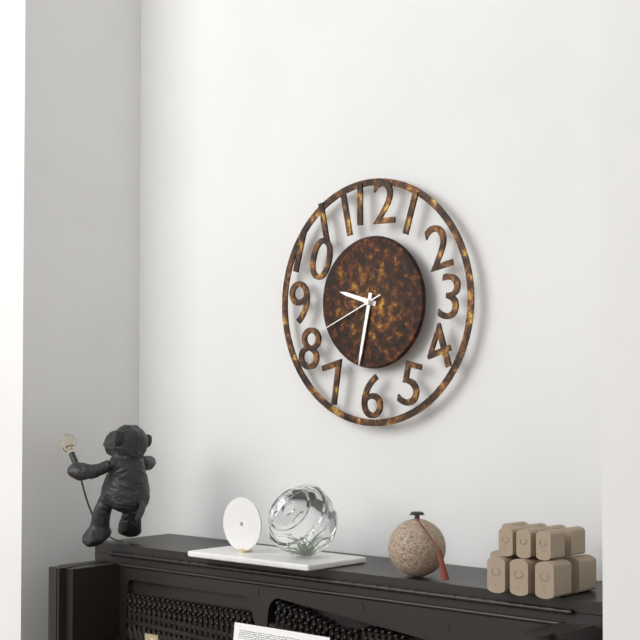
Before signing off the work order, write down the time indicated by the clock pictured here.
9:32:41
